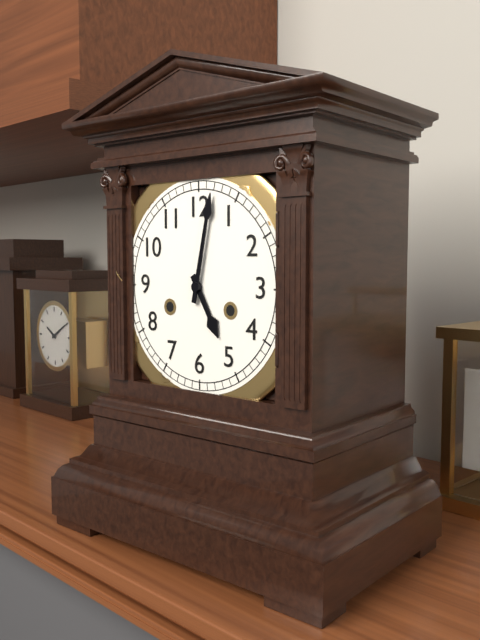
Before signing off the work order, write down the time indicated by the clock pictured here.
5:02
